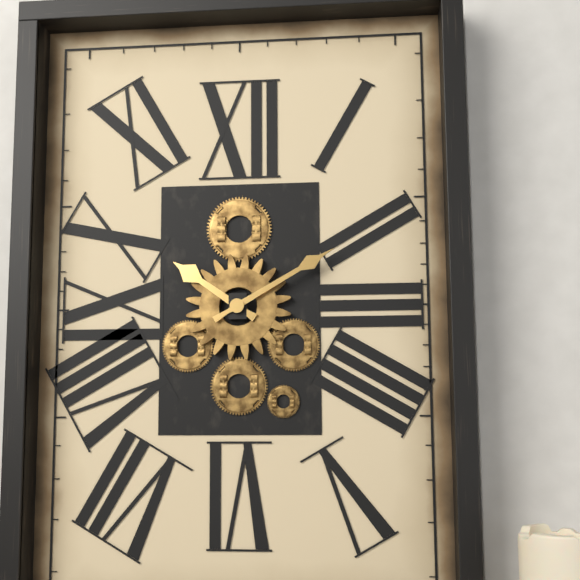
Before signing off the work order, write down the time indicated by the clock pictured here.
10:10
